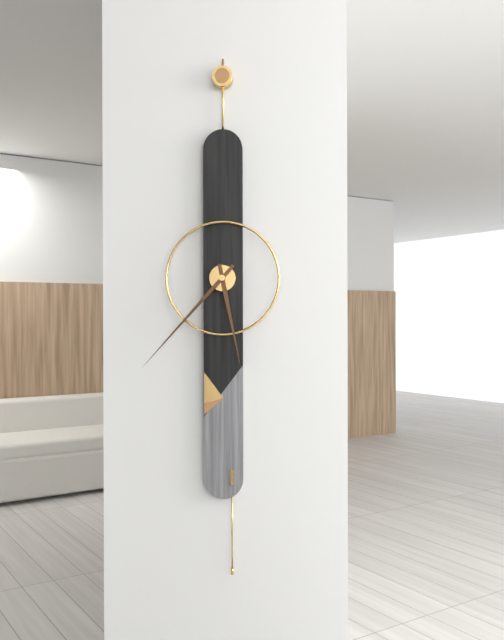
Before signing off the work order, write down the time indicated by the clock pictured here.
5:37
